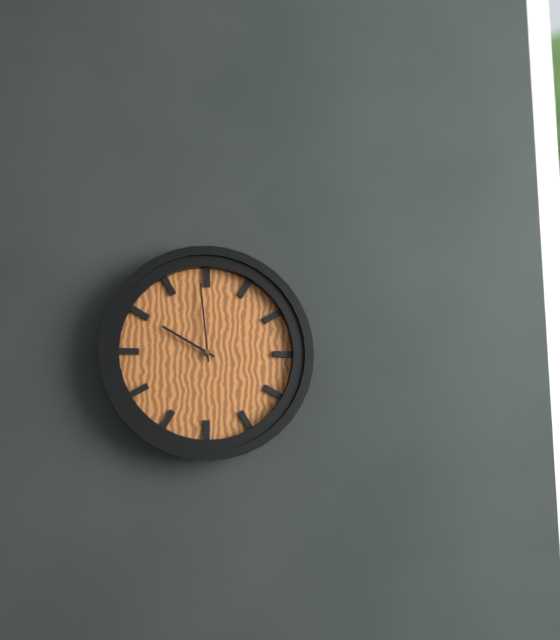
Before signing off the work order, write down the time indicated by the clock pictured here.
9:59
